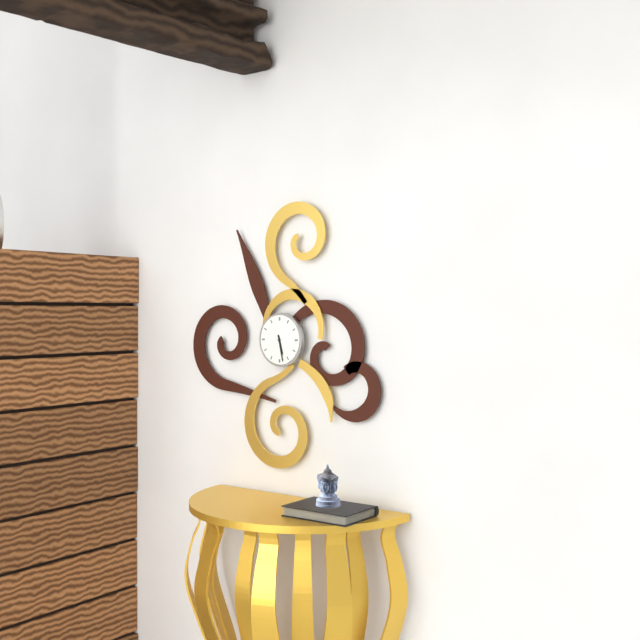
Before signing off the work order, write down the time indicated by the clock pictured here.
5:28
